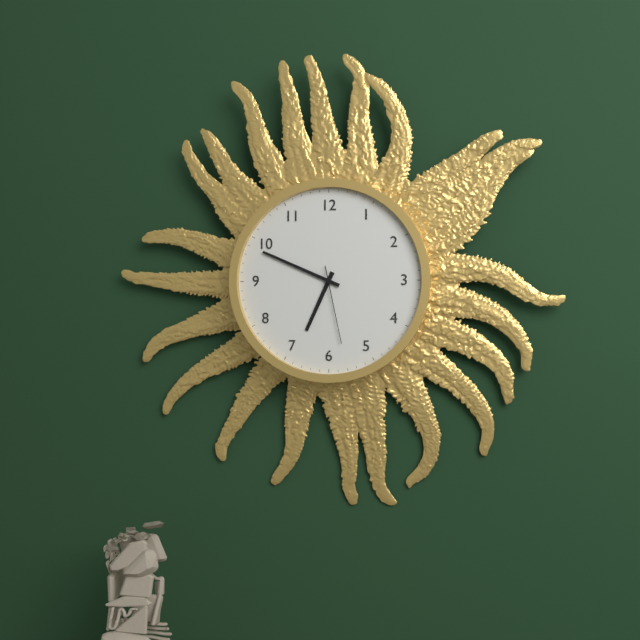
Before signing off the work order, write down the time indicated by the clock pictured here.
6:49:28
